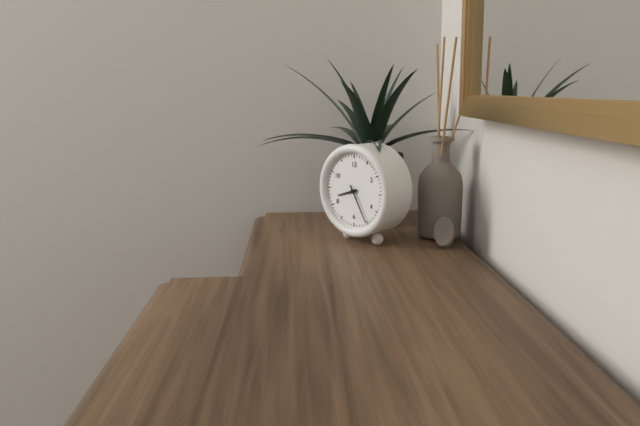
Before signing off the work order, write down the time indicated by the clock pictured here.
8:25
